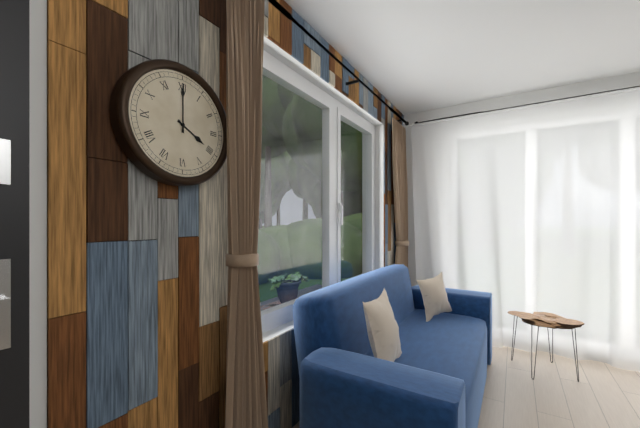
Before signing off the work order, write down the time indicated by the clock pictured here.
4:00
